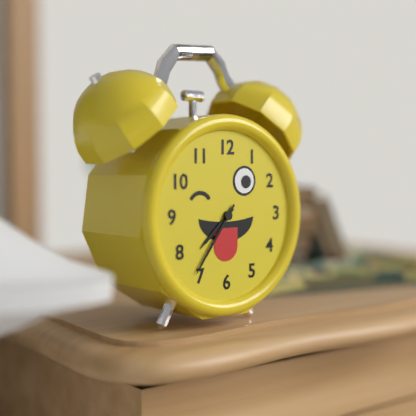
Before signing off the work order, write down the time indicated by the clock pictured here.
7:36
